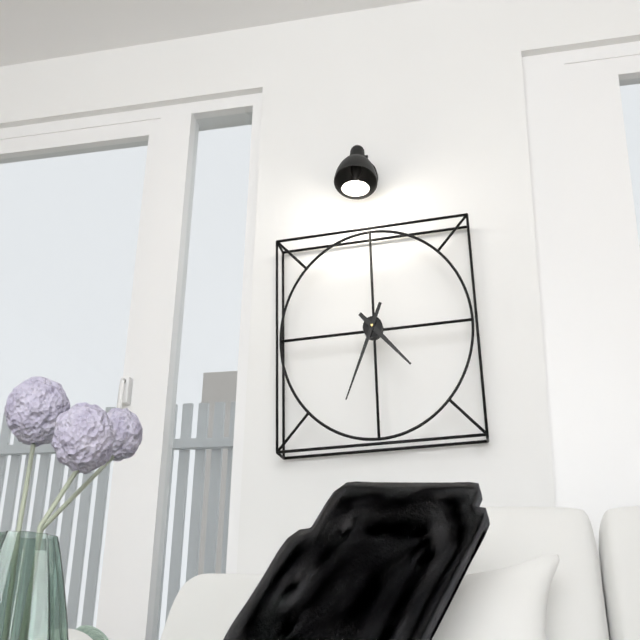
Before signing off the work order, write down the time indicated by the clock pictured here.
4:34
